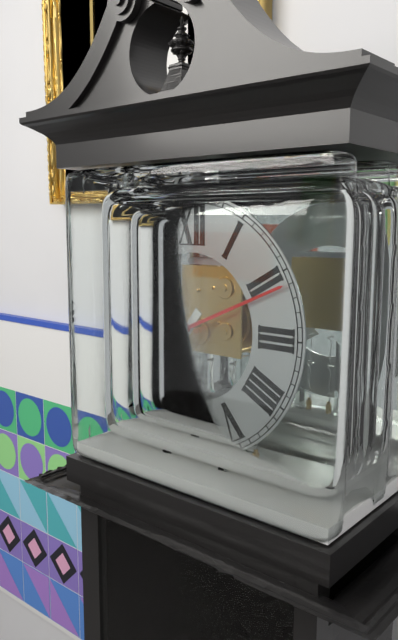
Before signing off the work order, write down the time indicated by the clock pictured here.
7:11
